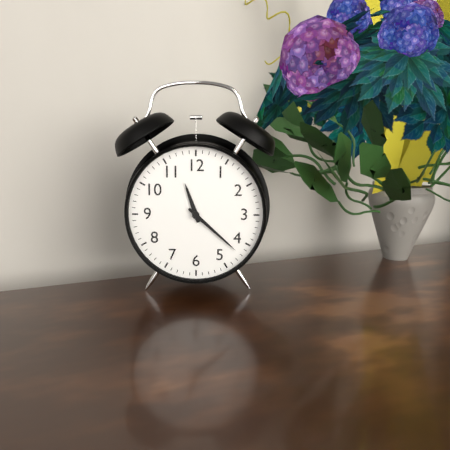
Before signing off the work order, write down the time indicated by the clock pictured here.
11:22
